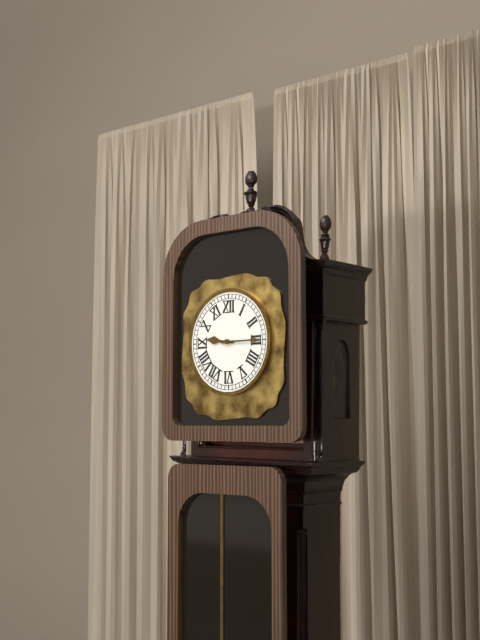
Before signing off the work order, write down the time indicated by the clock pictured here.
9:15
